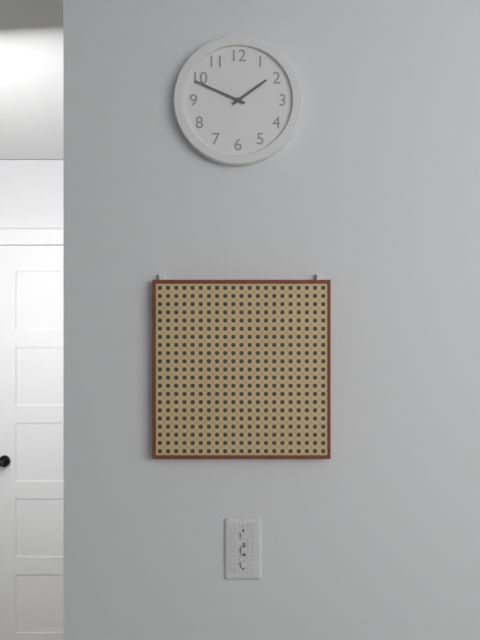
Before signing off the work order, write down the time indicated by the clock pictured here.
1:49
